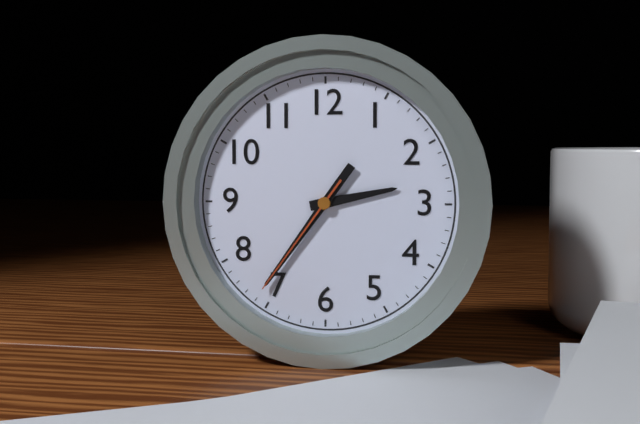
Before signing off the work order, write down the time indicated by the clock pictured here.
2:36:36
